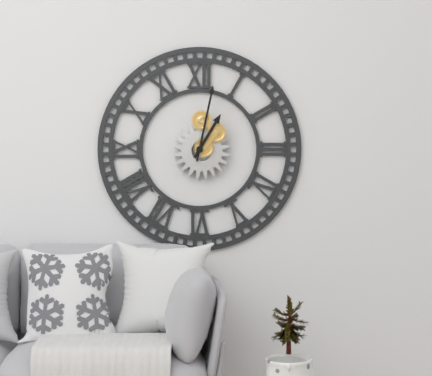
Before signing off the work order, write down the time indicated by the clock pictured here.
1:02
